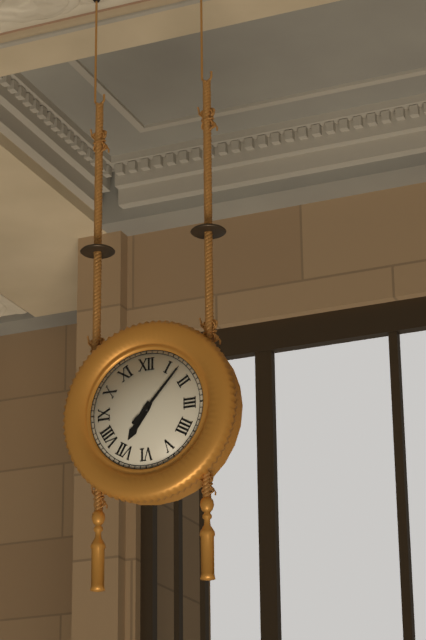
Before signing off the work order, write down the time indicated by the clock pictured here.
7:07
